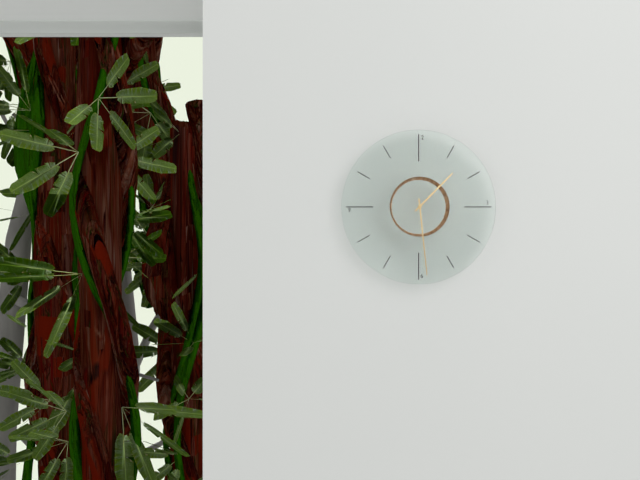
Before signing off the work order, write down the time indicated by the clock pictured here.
1:29
